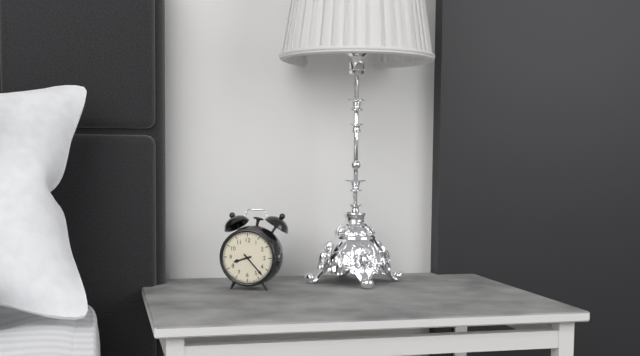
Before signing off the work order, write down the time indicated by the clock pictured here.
8:23
